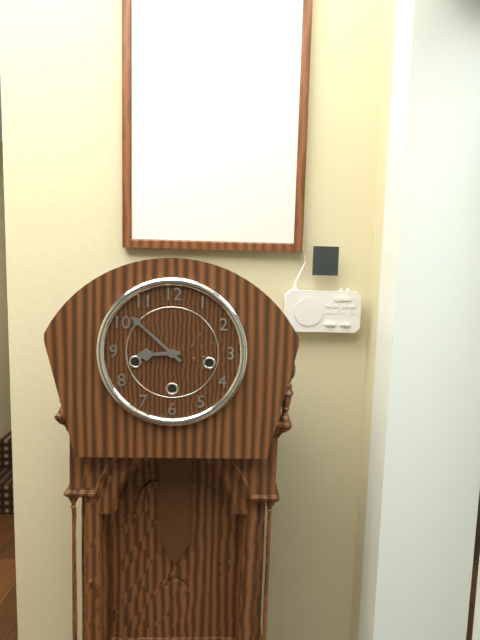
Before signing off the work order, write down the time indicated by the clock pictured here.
8:52
